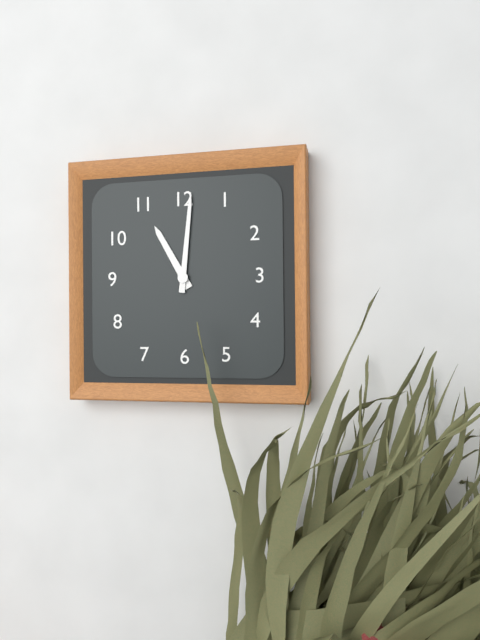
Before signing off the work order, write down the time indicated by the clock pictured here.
11:01
